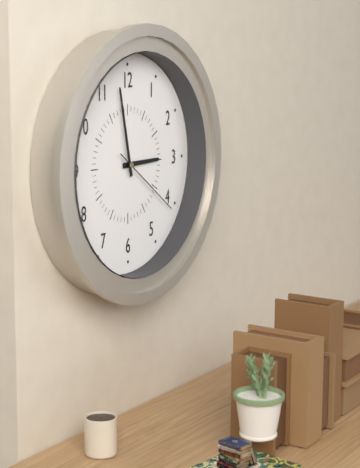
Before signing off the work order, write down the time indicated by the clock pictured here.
2:58:21
